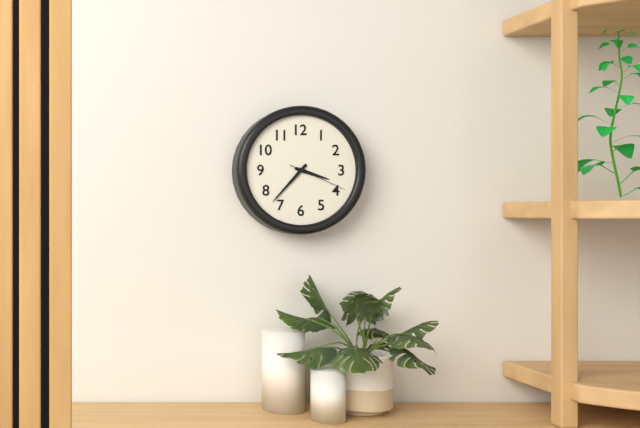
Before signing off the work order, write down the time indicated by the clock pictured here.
3:37:19
